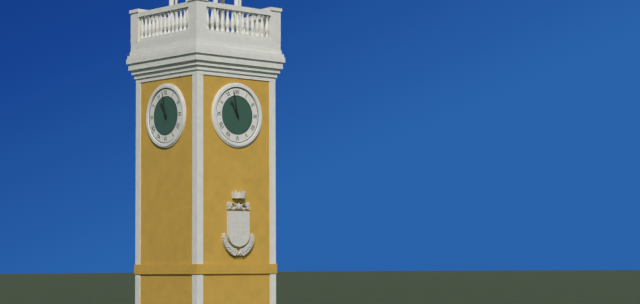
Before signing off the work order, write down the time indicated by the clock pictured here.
10:58
